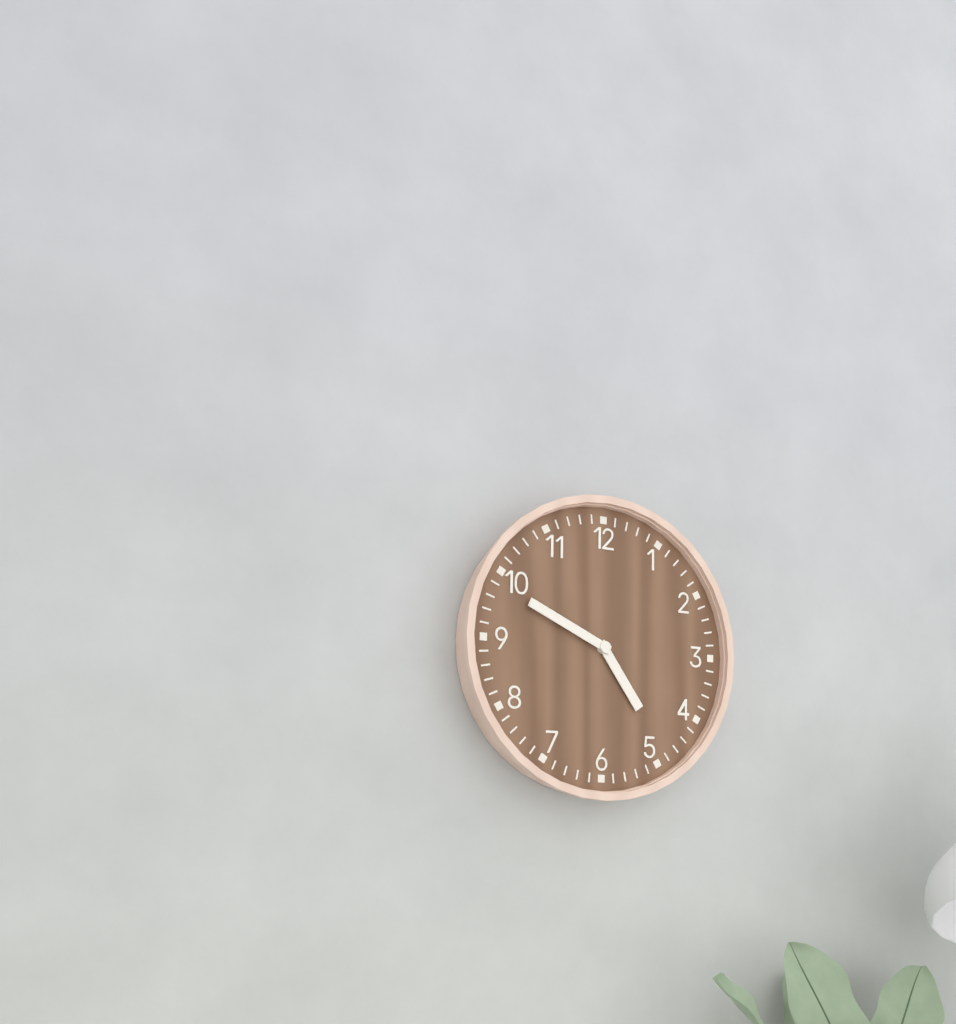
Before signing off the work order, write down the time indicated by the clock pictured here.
4:49
